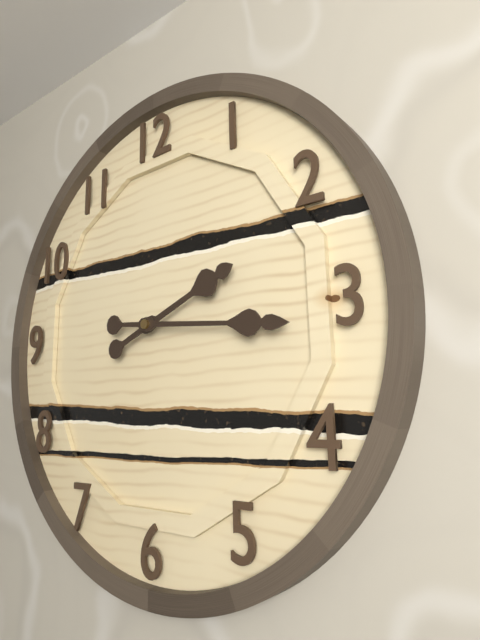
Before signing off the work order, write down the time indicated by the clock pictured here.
2:16
